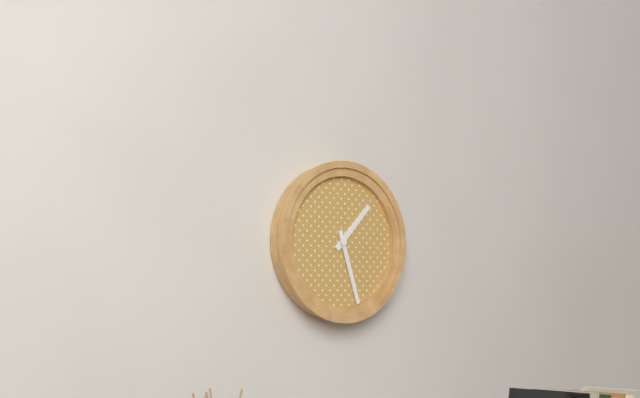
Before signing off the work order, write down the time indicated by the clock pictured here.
1:27
